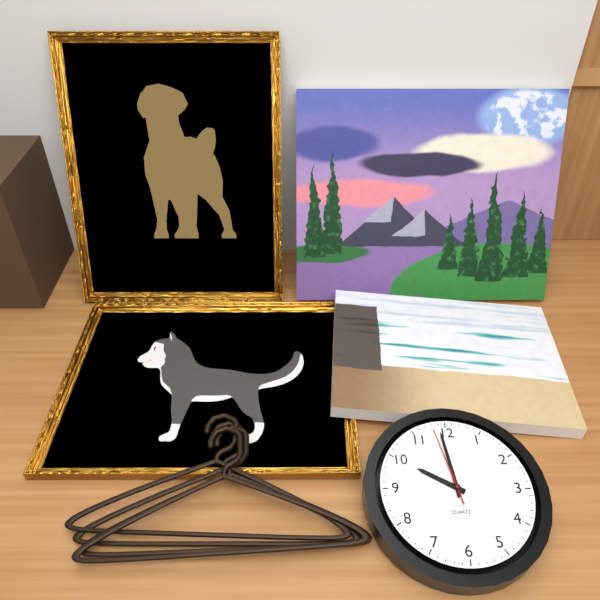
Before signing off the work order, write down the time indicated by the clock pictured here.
9:59:58
